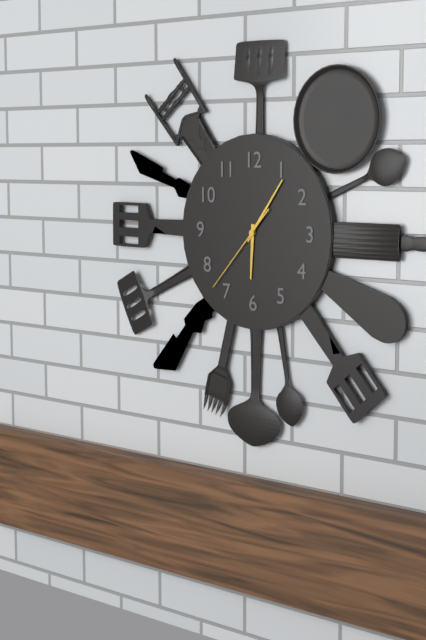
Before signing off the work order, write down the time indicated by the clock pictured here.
6:06:37
